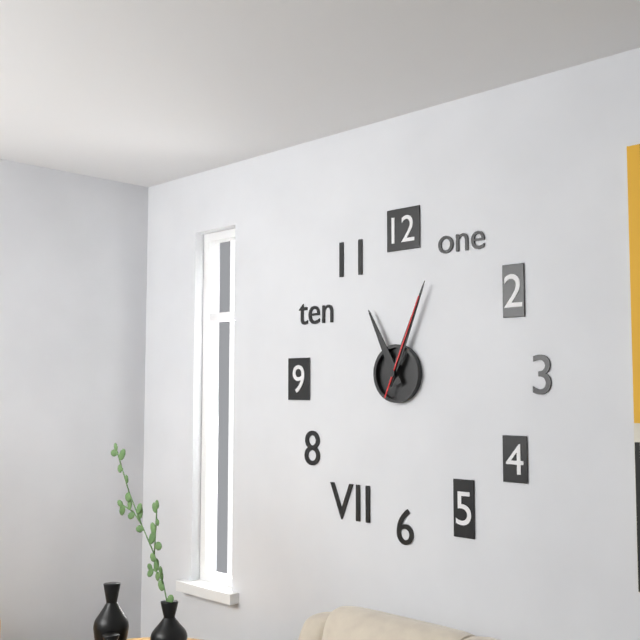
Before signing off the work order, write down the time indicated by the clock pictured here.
11:04:04
